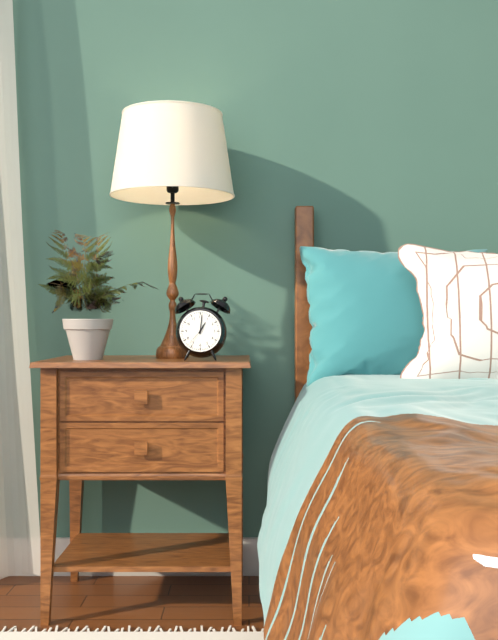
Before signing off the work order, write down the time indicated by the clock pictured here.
1:01
